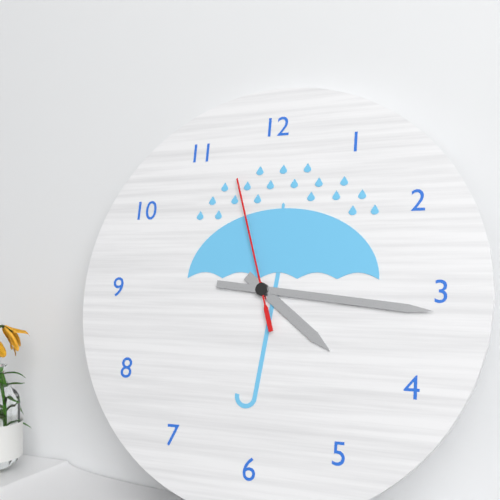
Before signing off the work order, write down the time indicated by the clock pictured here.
4:16:57
